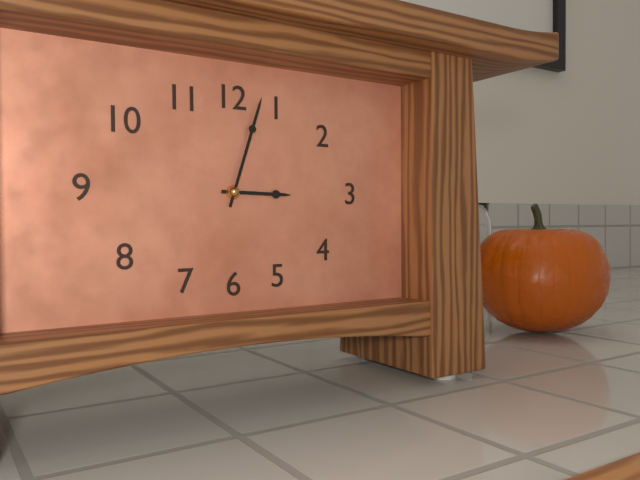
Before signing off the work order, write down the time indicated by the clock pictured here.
3:03
